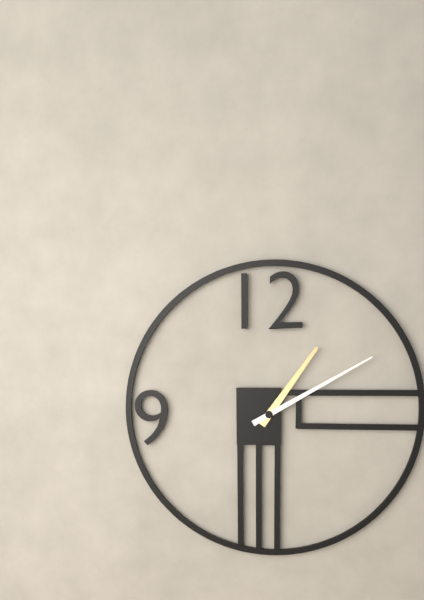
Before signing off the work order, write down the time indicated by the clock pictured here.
1:10
